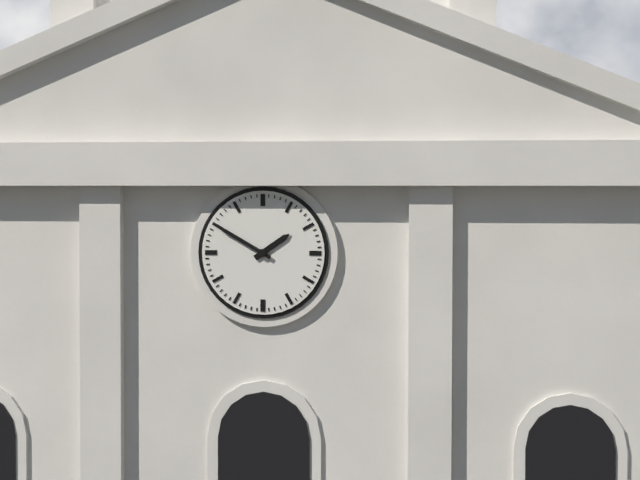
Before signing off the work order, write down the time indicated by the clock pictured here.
1:50
